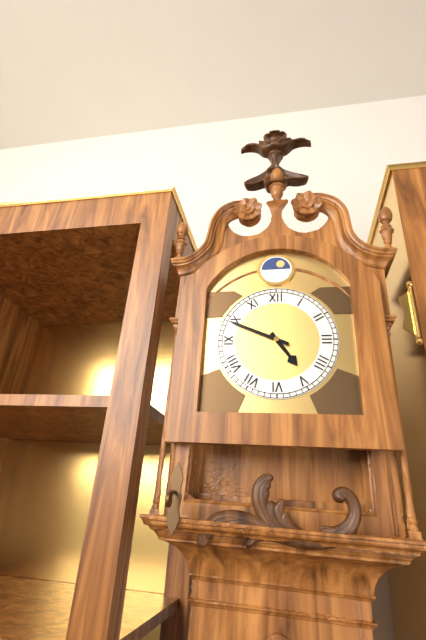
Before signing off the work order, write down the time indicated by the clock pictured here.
4:49
